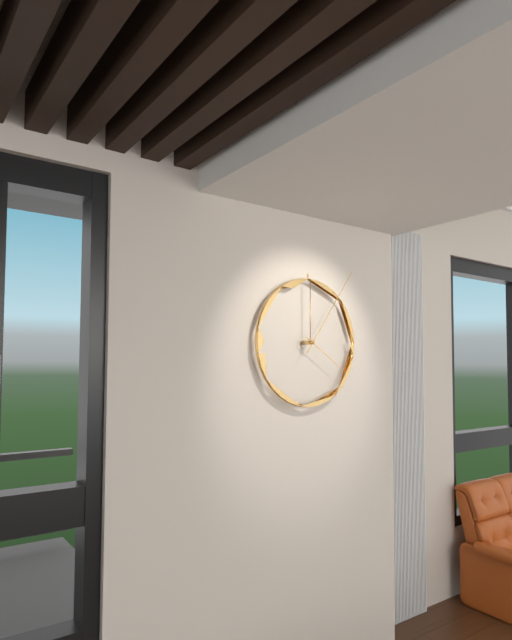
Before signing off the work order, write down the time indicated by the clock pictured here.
4:06
